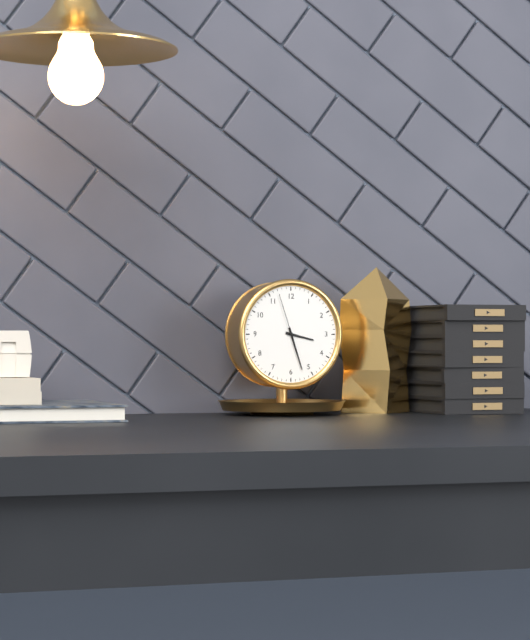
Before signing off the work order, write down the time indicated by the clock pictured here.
3:27:57
